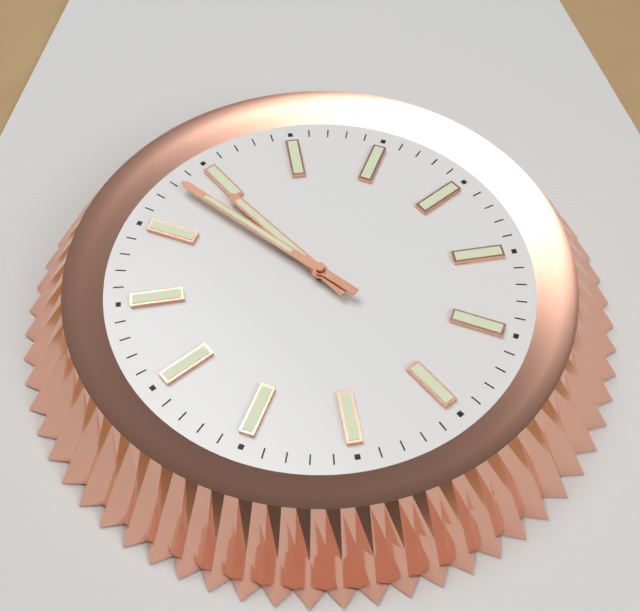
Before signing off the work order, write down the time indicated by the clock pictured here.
10:53
